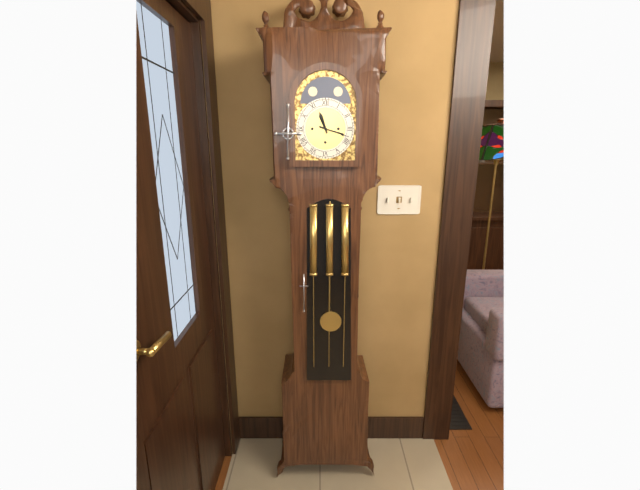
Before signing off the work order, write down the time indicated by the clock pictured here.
11:18
